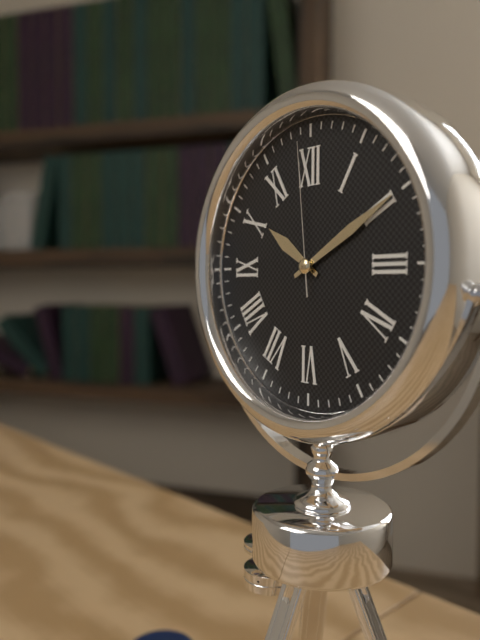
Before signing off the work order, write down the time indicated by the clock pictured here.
10:10:59
